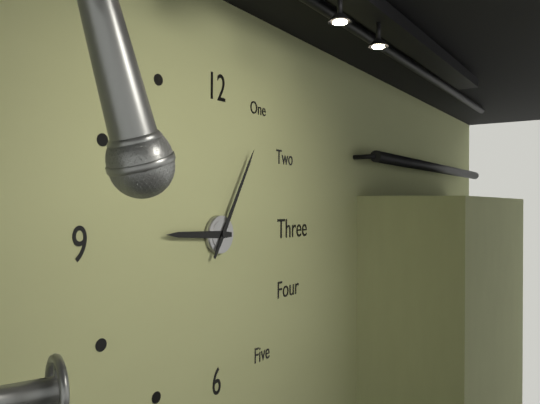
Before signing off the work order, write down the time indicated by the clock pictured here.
9:05
